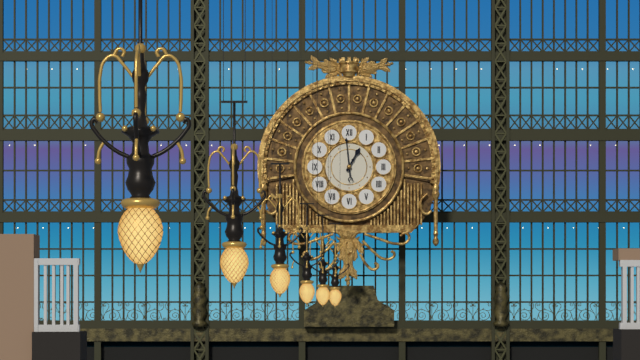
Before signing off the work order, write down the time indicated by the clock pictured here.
12:59
